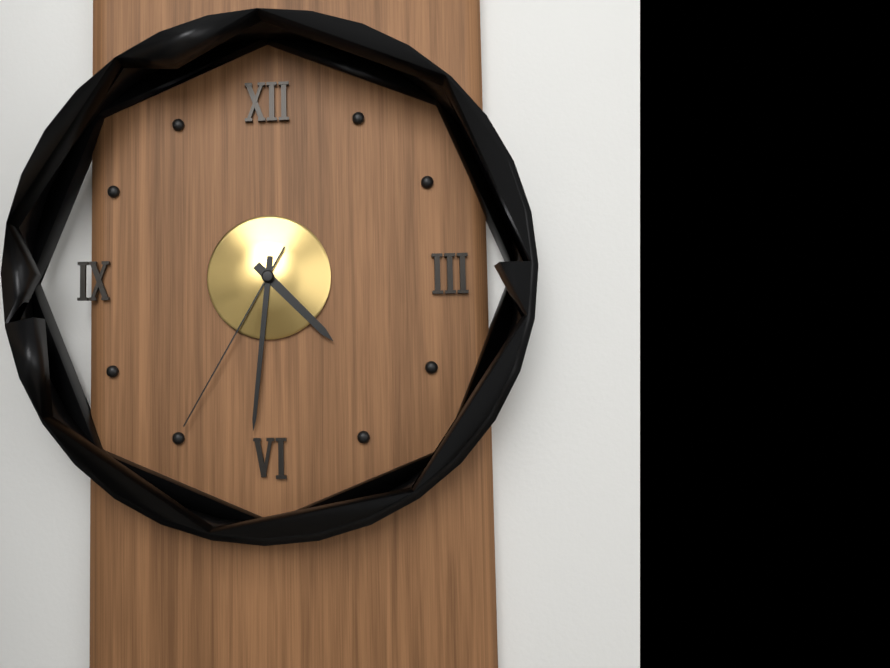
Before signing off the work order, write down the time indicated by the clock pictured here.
4:31:35
